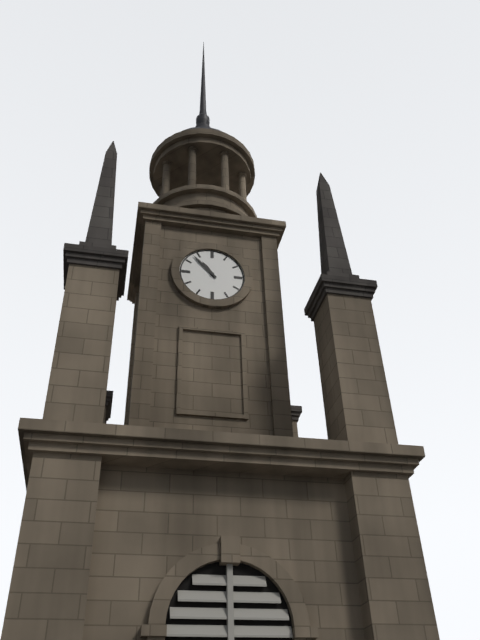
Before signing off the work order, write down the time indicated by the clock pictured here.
10:53
